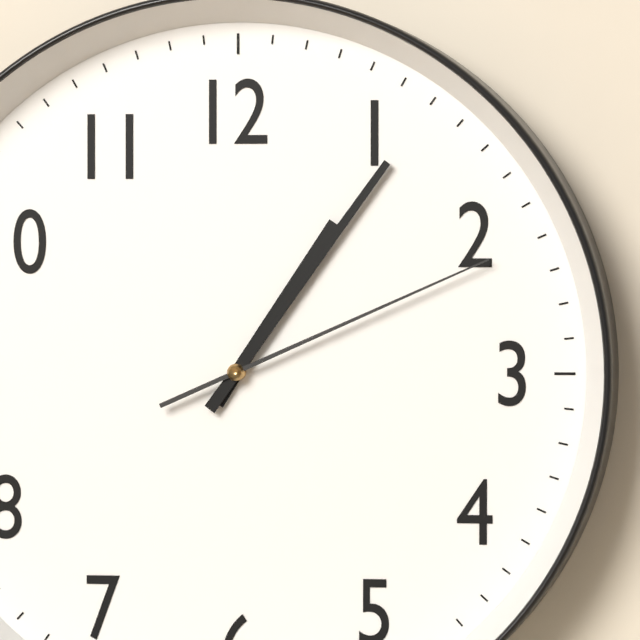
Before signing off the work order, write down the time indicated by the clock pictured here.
1:06:11
